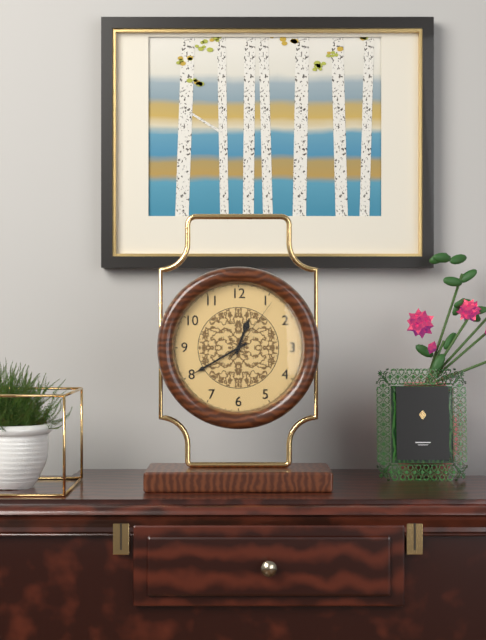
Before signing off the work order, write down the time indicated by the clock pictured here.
12:40:06
